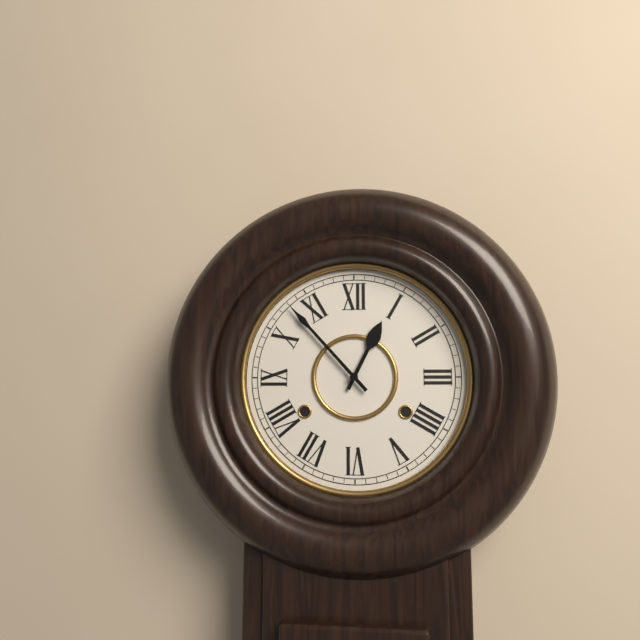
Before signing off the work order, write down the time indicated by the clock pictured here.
12:53
